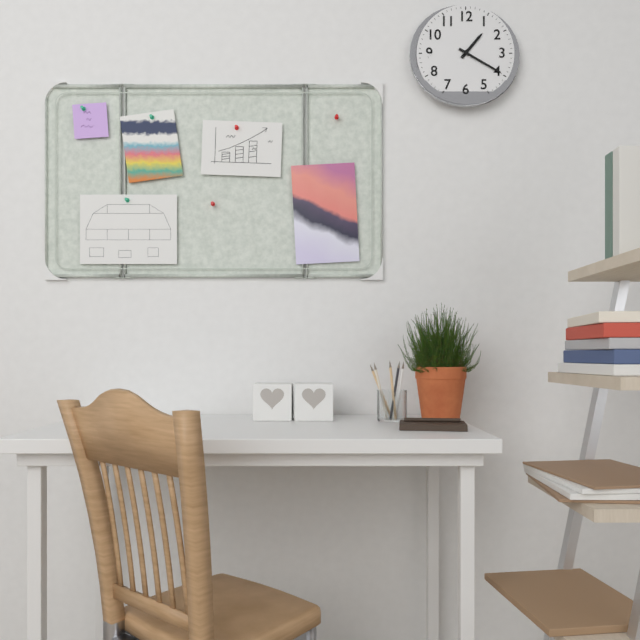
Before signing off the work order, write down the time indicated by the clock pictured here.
1:20
